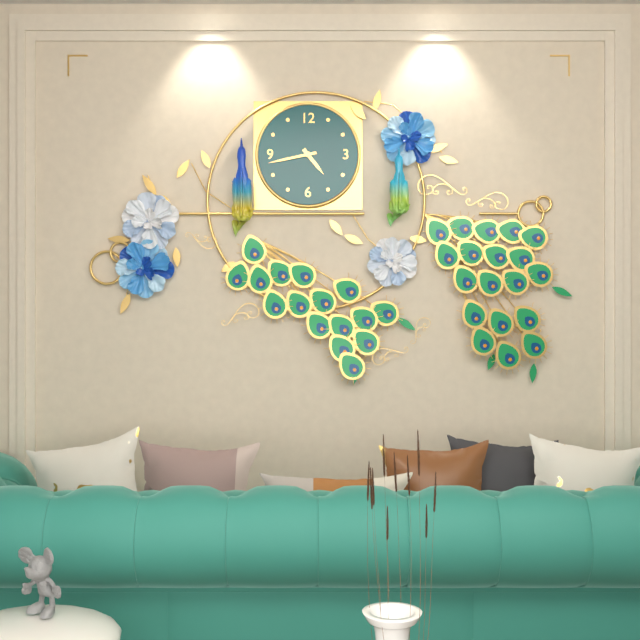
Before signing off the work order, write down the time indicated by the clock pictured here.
4:43
